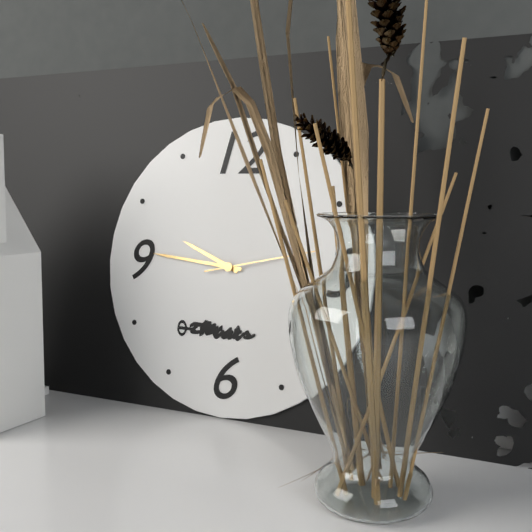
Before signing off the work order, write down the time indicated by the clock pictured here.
9:46
